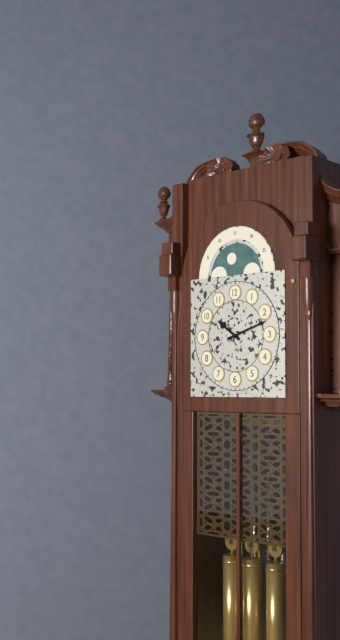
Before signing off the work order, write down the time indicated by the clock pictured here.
10:12
